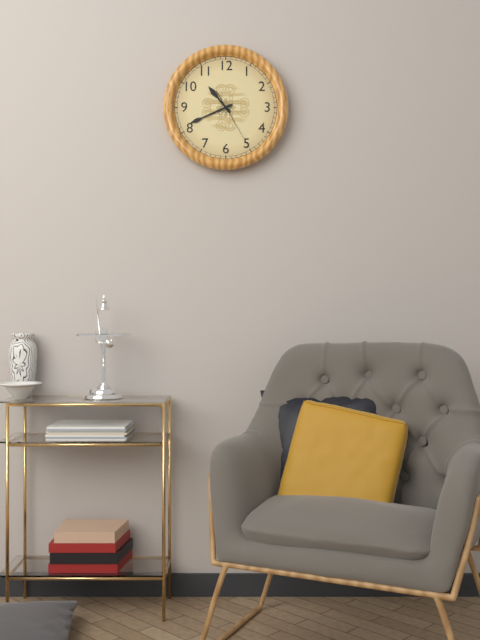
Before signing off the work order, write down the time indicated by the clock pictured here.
10:41:25
